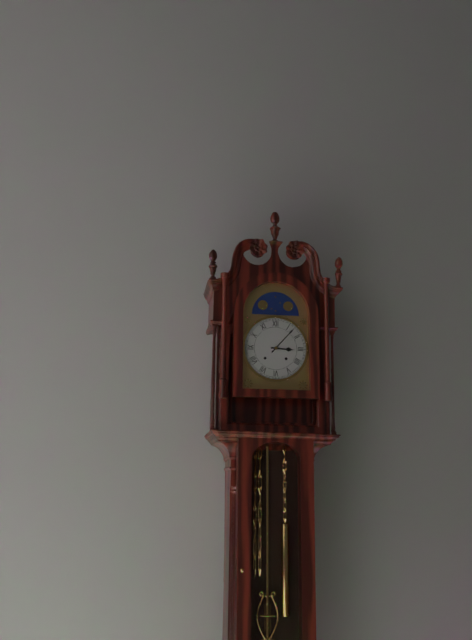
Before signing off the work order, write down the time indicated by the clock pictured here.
3:07
